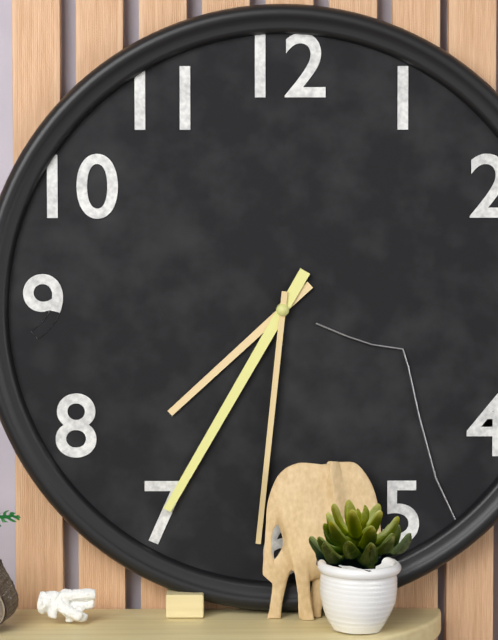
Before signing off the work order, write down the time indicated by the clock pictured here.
7:35:31
